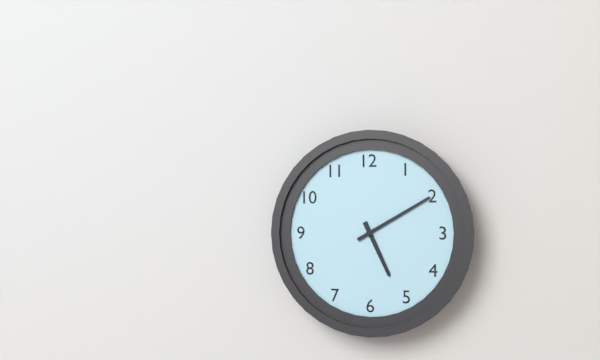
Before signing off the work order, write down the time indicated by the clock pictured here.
5:10
